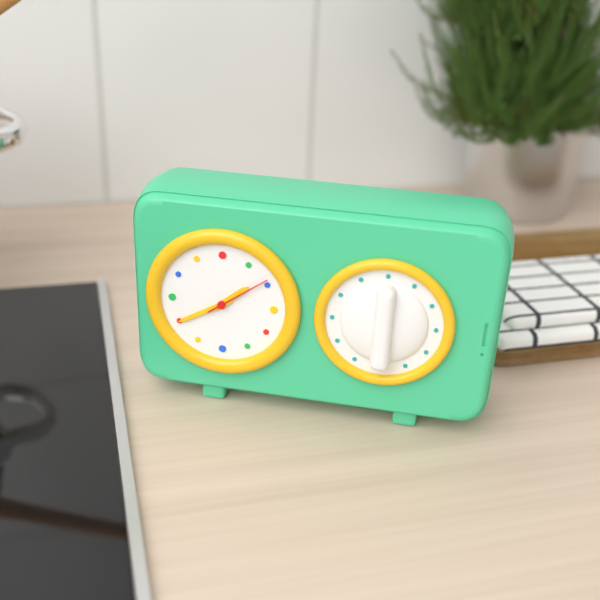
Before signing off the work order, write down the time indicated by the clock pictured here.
1:40:09
